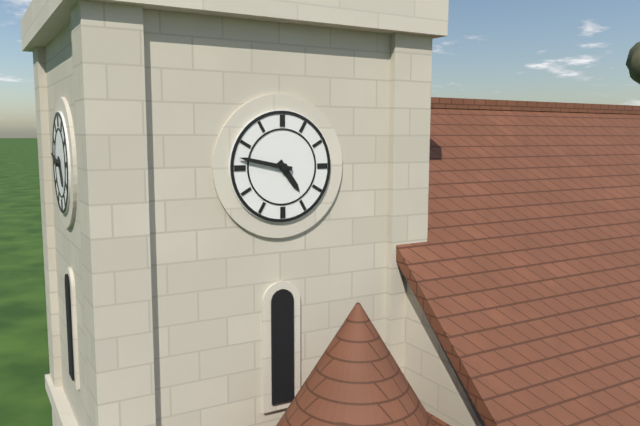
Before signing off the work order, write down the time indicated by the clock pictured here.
4:47
